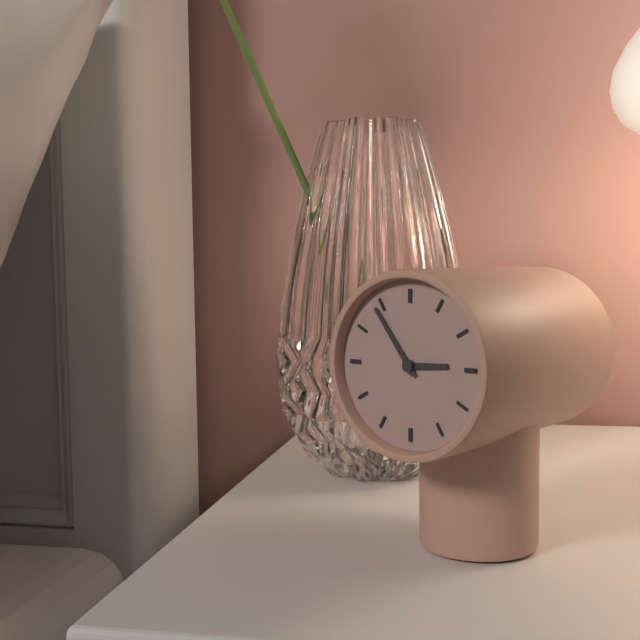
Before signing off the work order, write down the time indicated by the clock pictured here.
2:54
